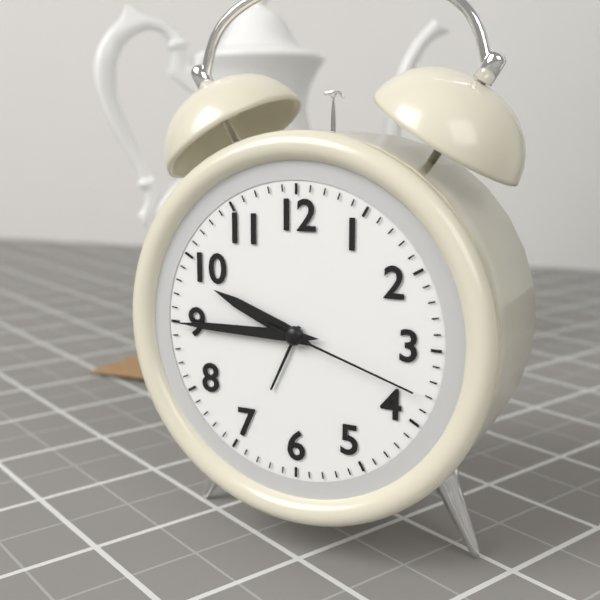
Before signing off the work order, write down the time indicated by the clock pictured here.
9:45:18
